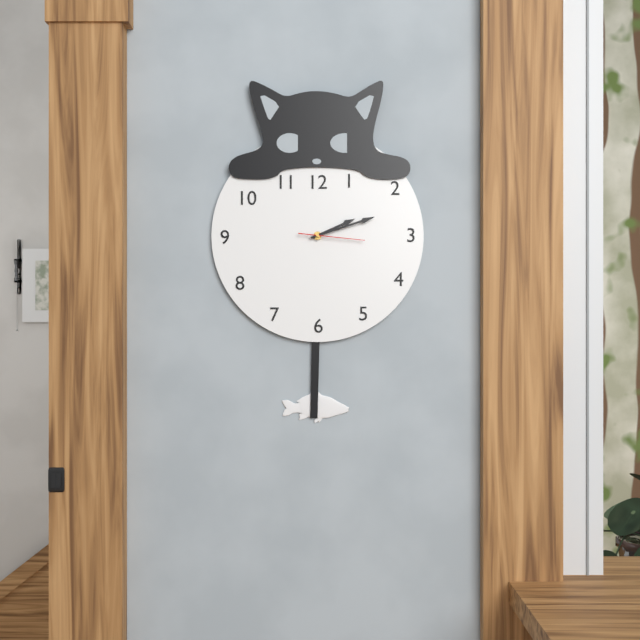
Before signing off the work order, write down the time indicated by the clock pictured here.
2:12:16
